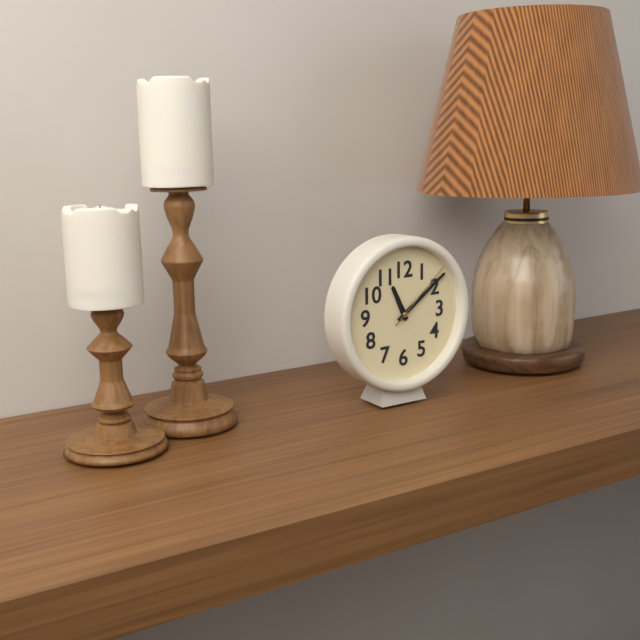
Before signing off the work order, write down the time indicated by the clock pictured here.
11:09:08
